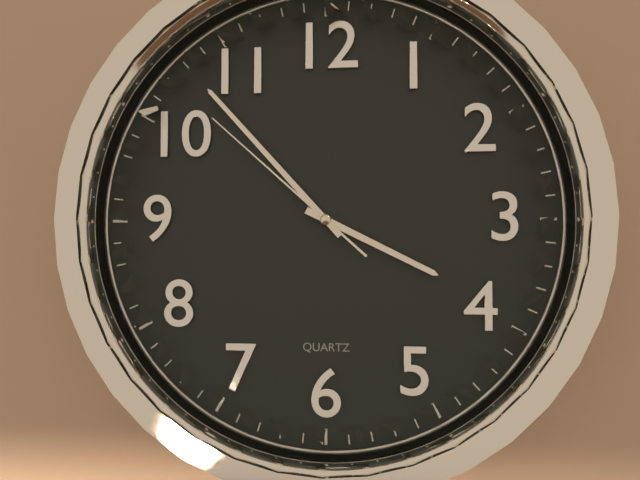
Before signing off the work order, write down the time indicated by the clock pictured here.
3:53:52
